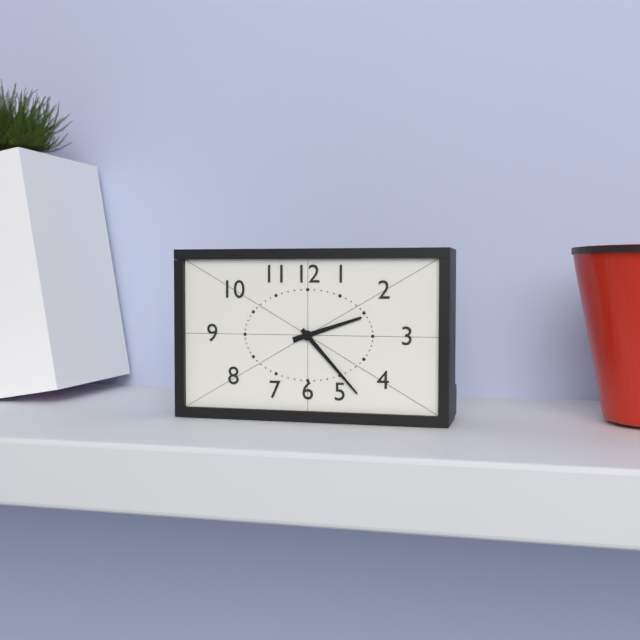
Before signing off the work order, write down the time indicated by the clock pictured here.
2:23
